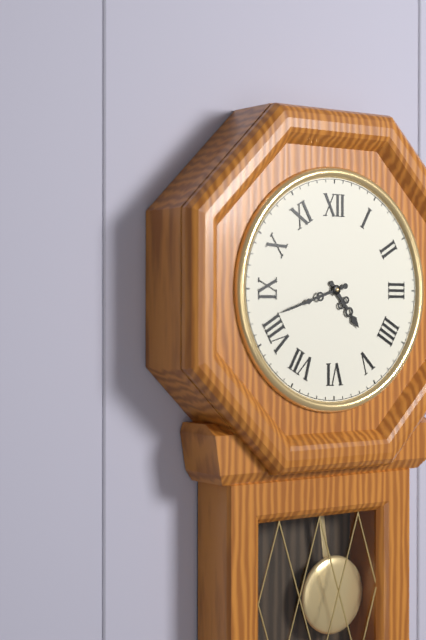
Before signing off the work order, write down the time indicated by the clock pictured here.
4:42
